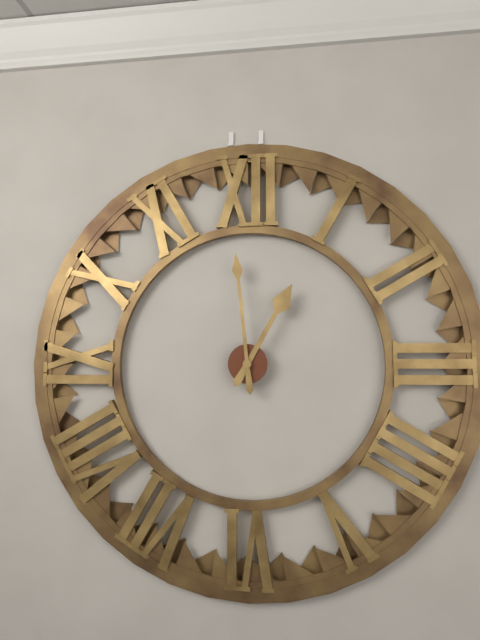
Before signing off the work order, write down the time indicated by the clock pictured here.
12:59
